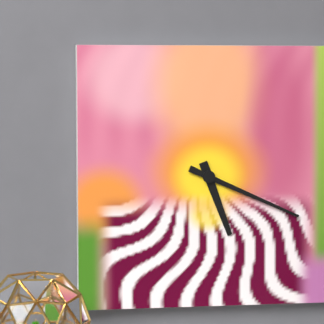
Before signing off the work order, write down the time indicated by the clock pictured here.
5:19
